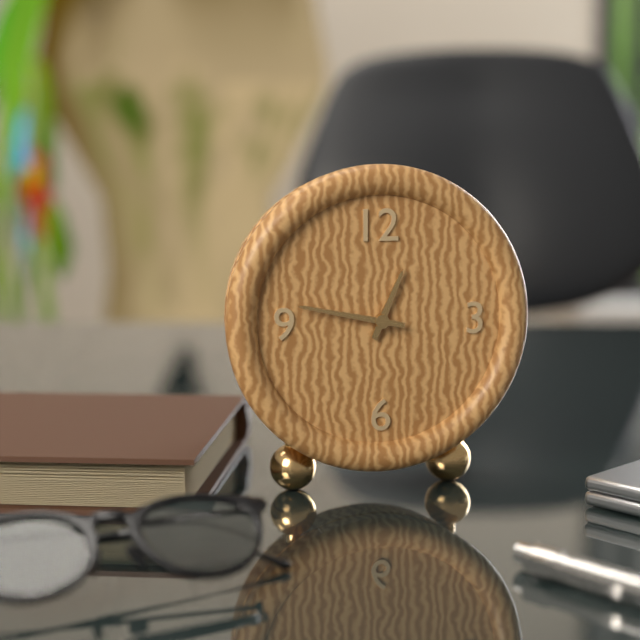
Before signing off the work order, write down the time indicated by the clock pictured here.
12:47
